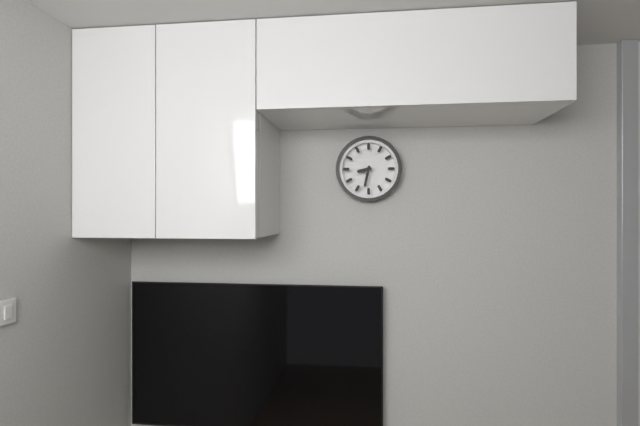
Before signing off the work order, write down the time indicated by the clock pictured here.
8:32
